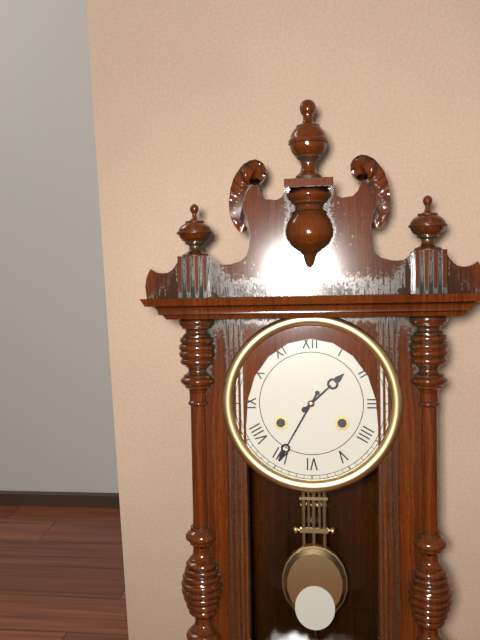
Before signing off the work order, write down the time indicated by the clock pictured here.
1:35
